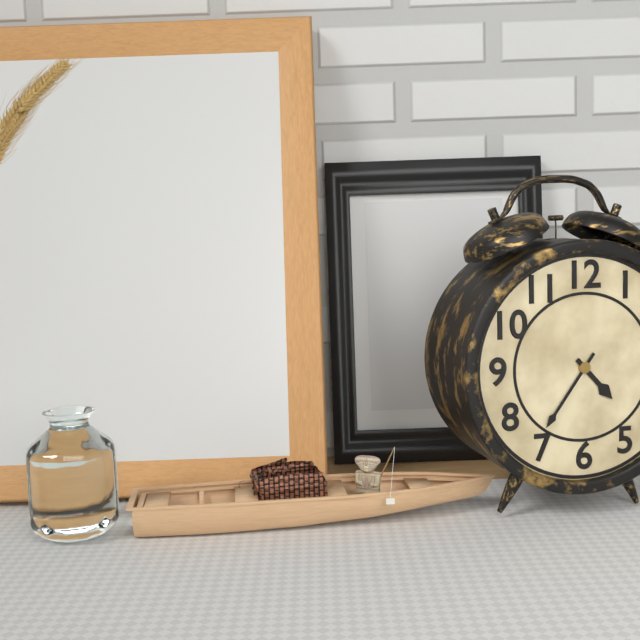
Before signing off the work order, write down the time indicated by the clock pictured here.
4:36
